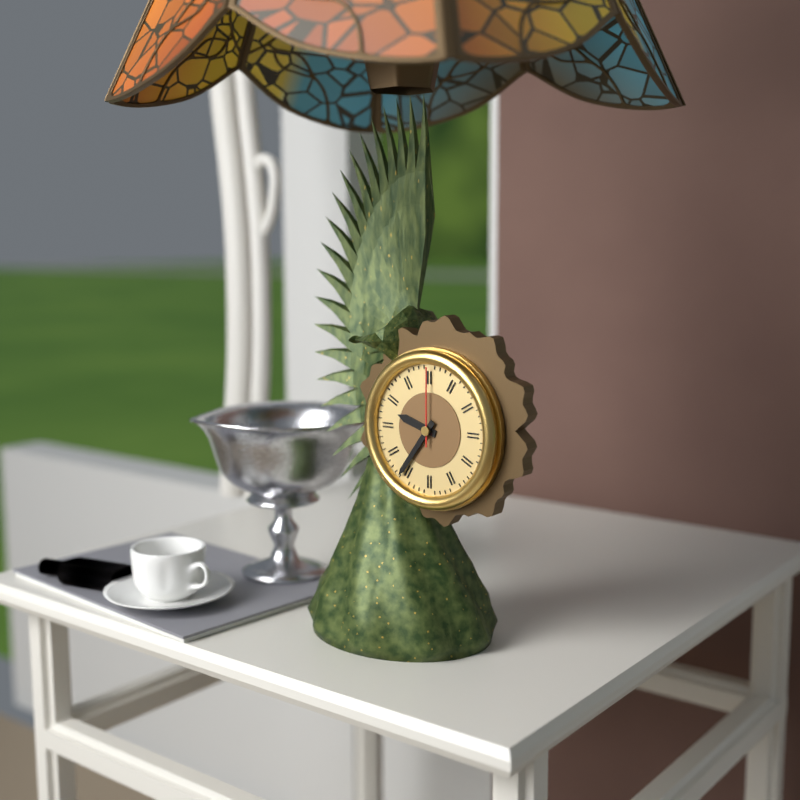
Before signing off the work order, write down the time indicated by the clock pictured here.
9:36:00
